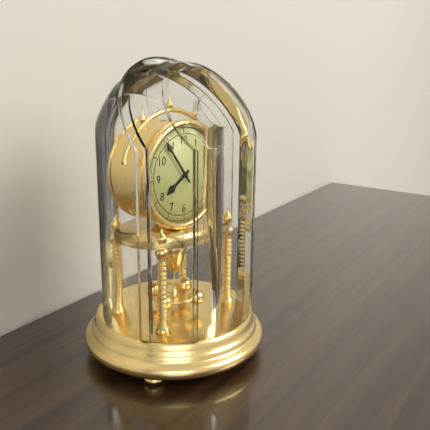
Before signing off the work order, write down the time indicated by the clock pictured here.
7:54
